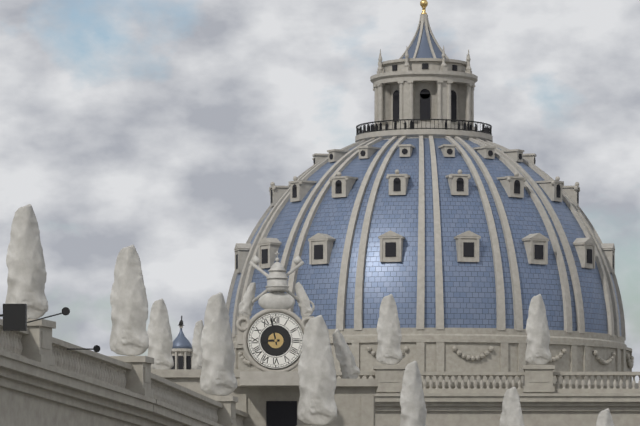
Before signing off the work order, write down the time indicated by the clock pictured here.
8:58
